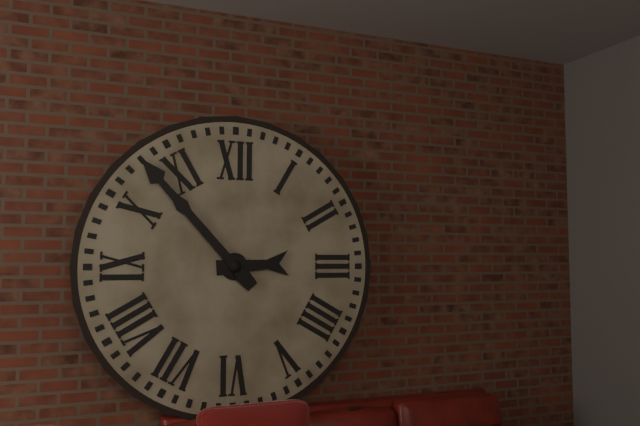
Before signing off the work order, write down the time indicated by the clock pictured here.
2:53
